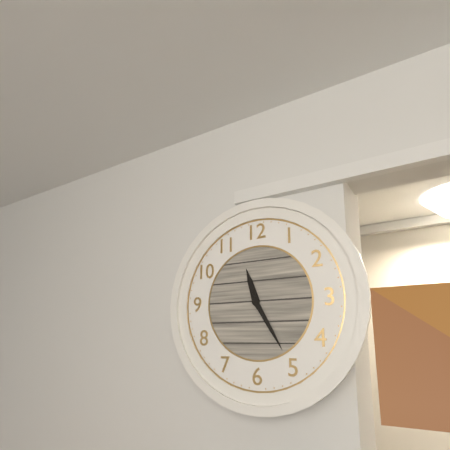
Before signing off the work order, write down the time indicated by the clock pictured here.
11:25
